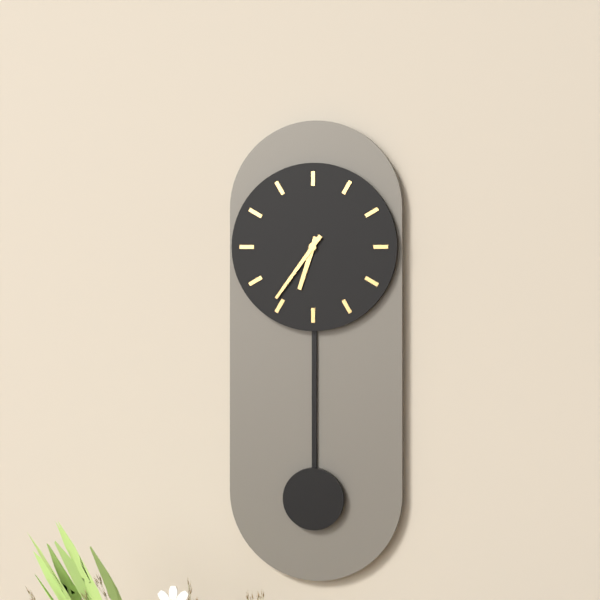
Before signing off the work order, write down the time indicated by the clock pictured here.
6:36
